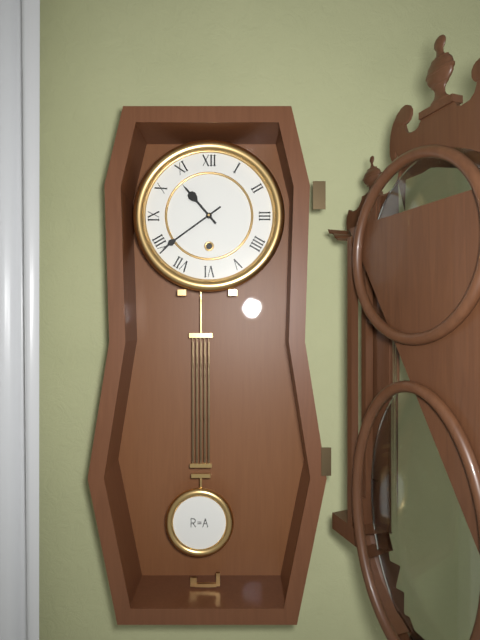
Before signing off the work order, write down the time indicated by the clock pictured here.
10:39
